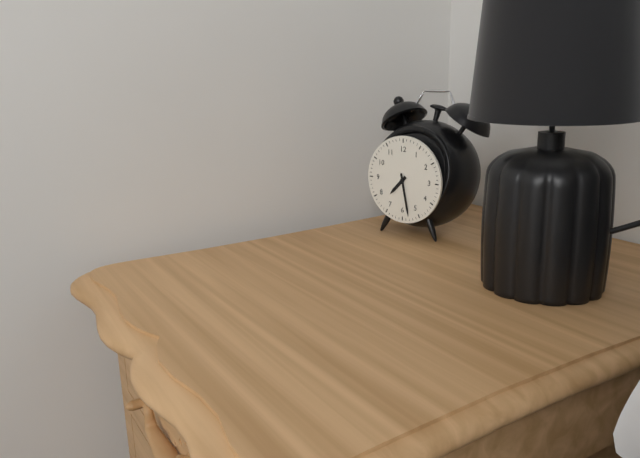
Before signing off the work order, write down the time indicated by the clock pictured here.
7:28
